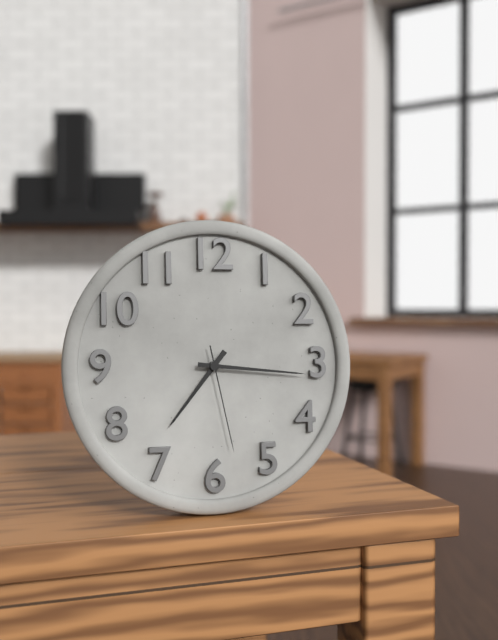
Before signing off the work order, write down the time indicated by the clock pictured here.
7:16:28
